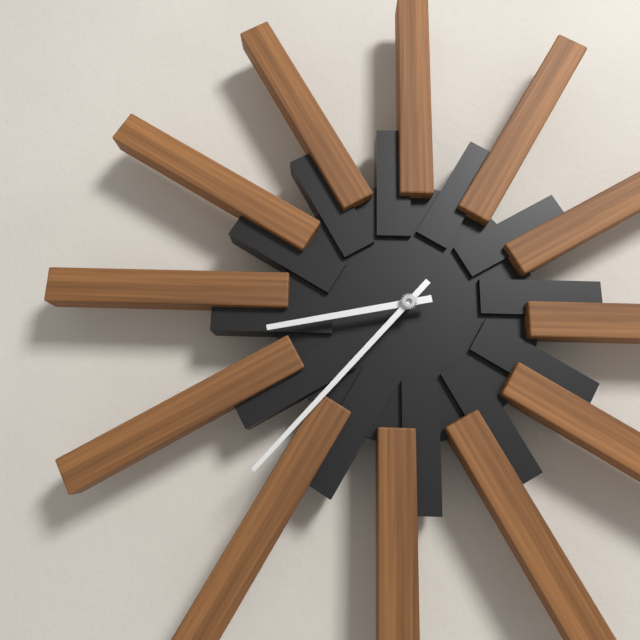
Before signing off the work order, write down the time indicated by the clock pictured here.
8:37
